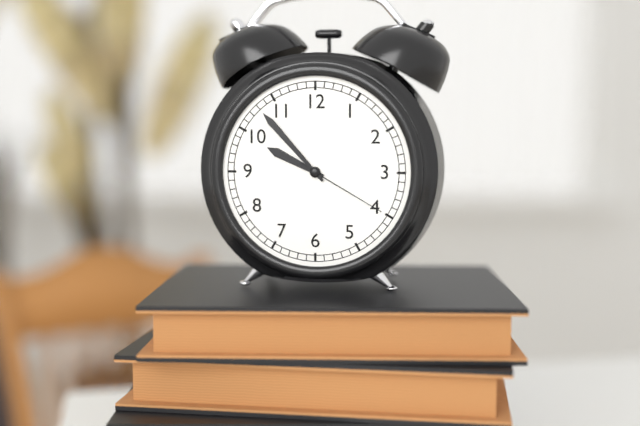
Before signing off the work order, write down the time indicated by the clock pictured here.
9:53:20
